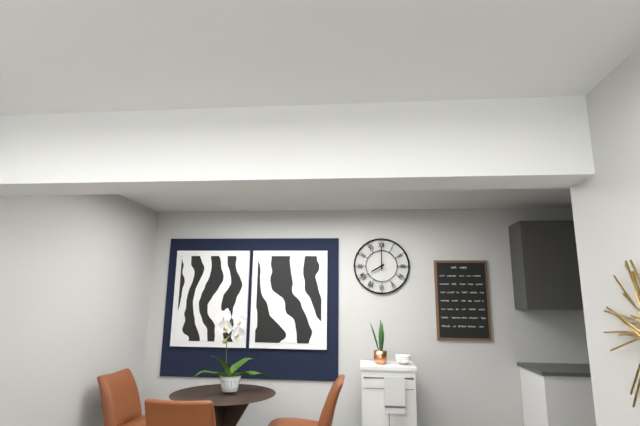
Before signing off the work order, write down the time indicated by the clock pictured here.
8:00
